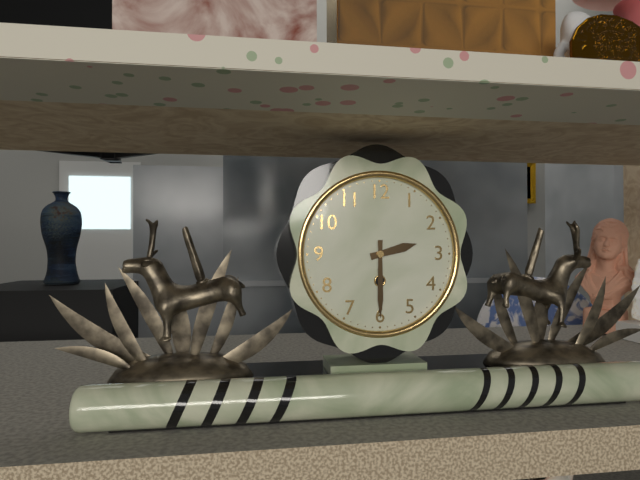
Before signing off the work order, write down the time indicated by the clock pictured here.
2:30
